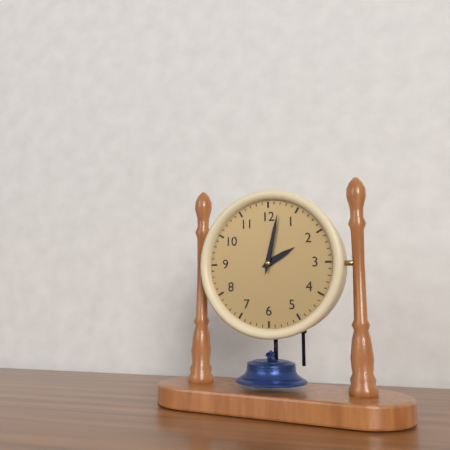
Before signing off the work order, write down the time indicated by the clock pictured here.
2:02
